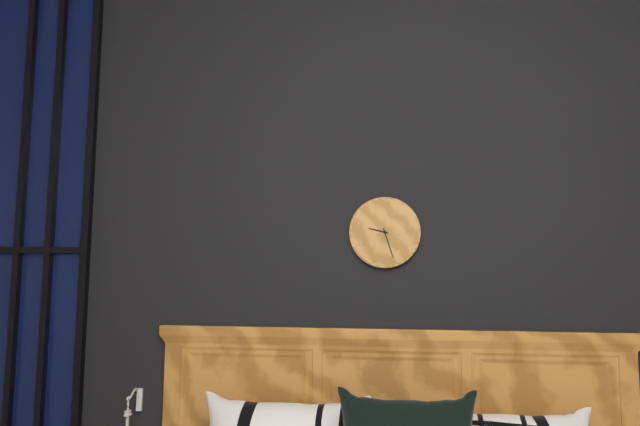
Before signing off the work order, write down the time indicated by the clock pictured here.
9:27
